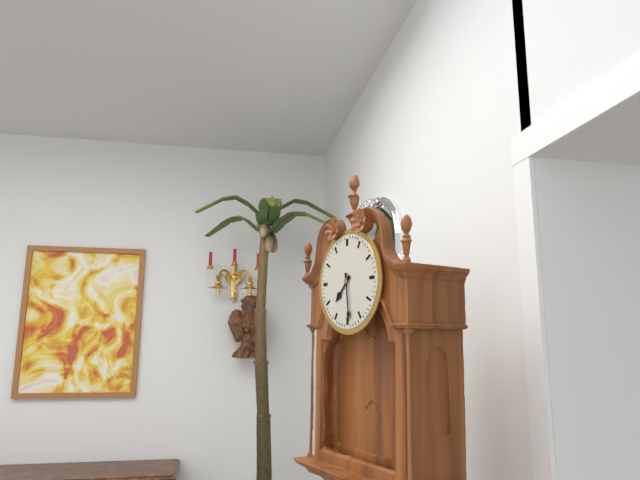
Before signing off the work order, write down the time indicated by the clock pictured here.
7:29
